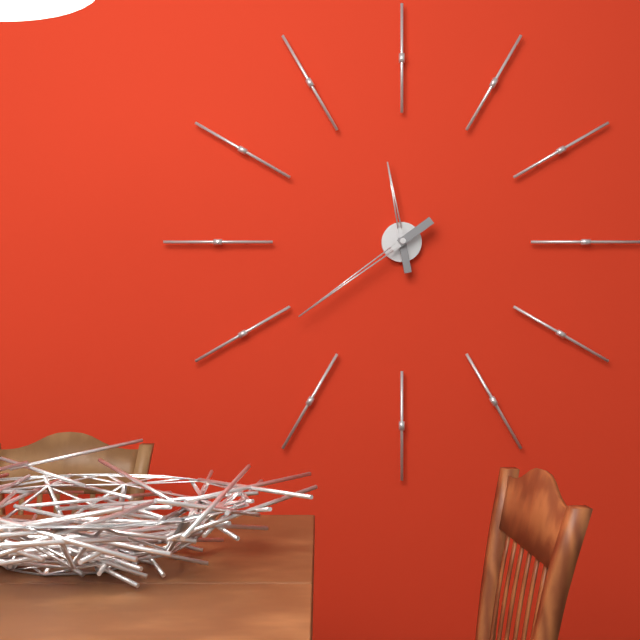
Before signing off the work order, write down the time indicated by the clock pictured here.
11:39
